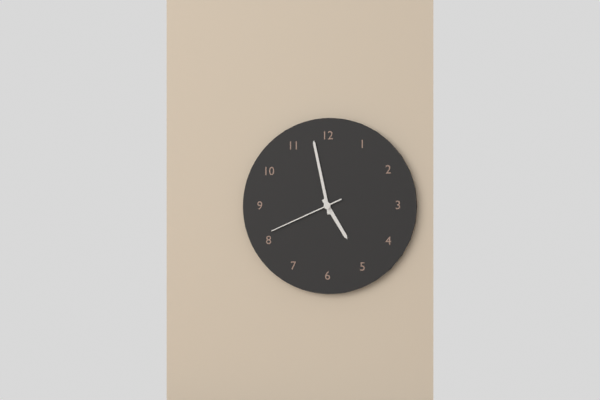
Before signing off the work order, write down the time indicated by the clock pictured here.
4:58:41
